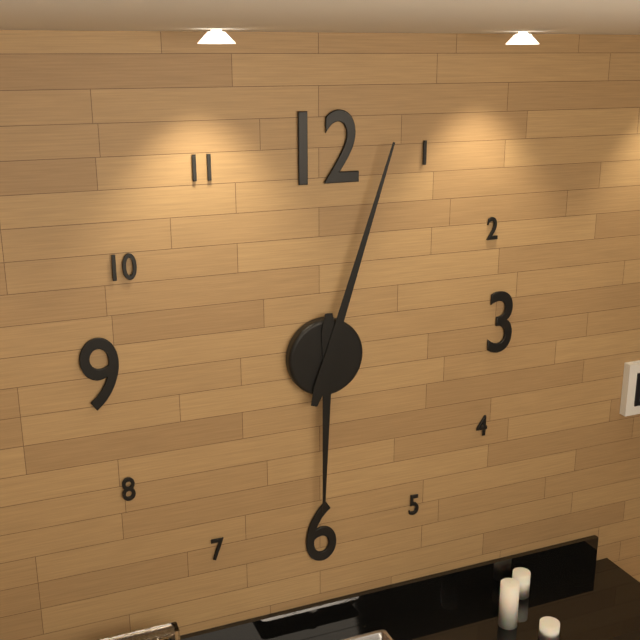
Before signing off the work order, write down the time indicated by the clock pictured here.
6:03
